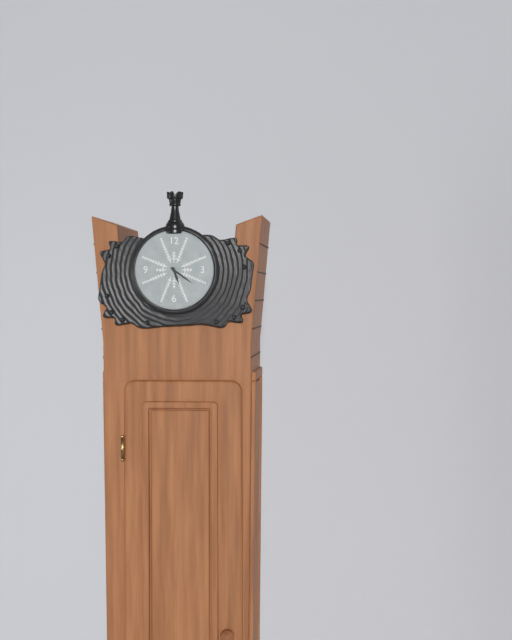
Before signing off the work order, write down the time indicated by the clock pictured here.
5:21
